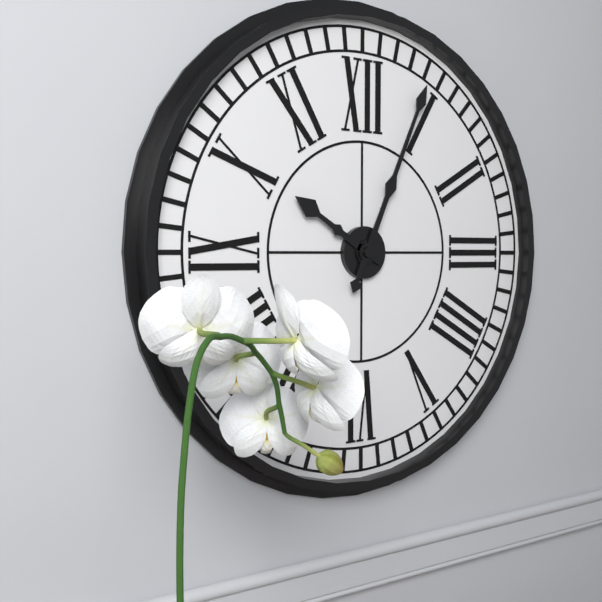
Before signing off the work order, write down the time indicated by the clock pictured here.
10:04
